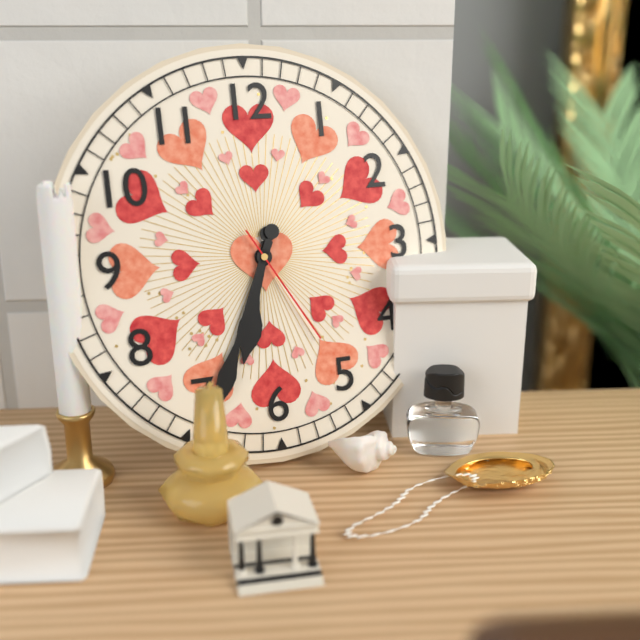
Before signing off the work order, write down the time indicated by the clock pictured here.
6:34:25
